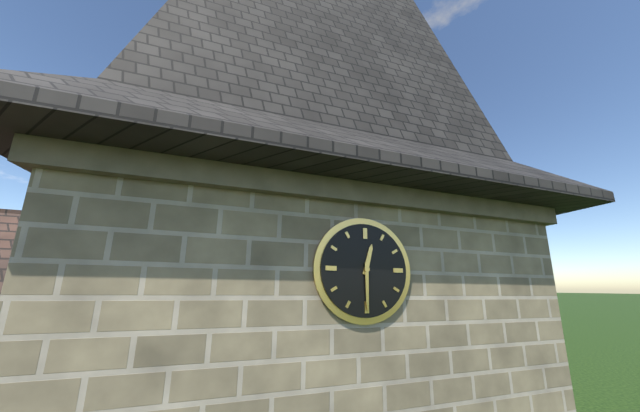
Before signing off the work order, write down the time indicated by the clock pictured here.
12:30
